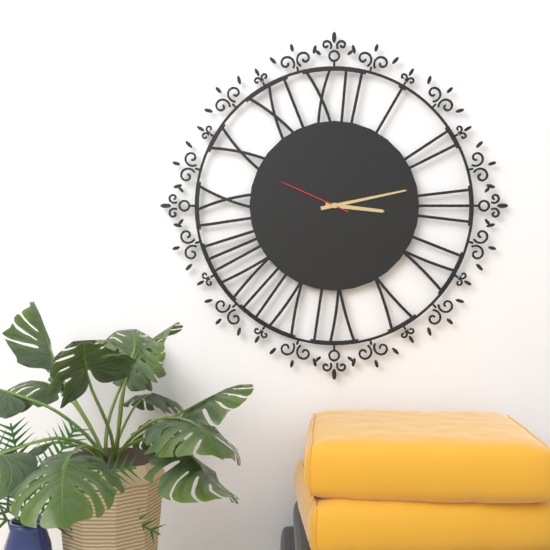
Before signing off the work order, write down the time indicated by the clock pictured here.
3:13:49
